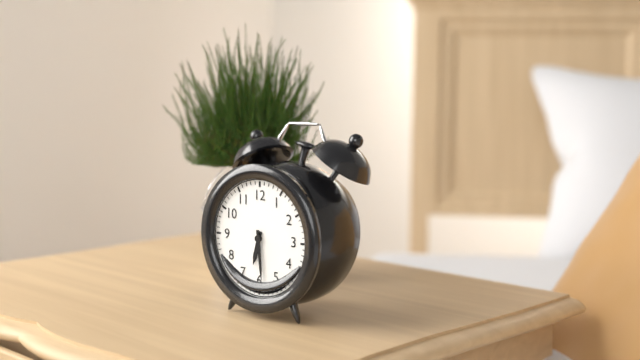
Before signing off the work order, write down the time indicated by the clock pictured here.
6:29
